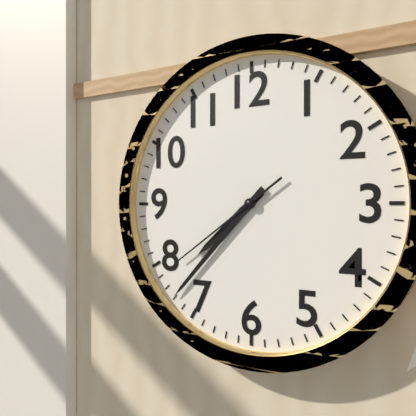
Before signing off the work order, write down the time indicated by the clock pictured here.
7:37:39
